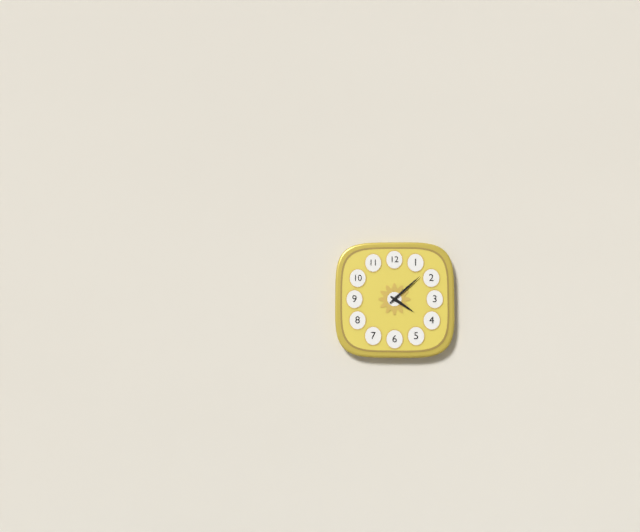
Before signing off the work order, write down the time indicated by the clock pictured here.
4:08
